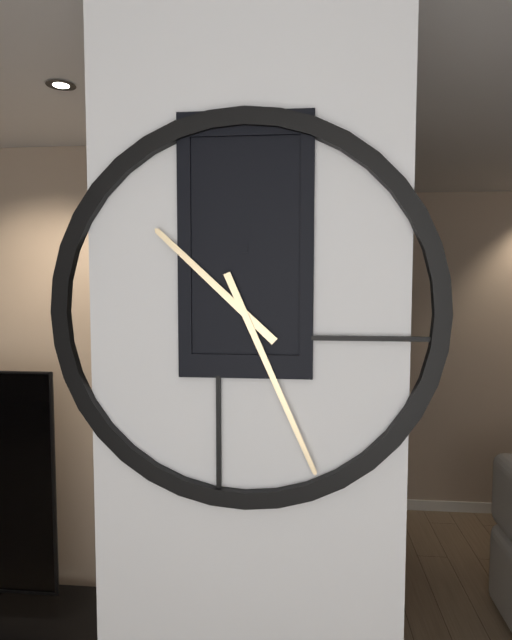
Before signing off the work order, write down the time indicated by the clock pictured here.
10:26
